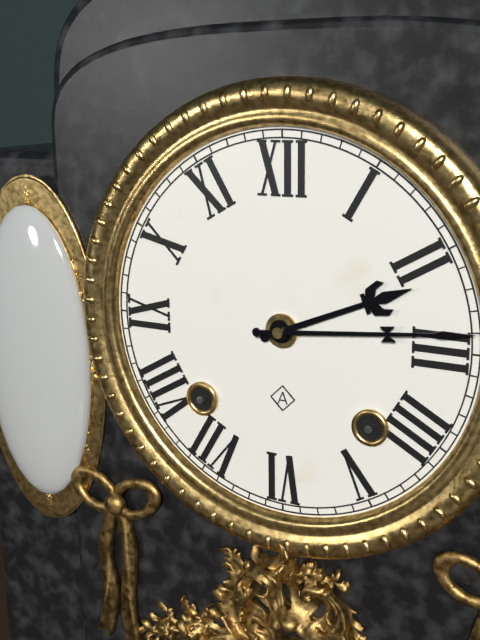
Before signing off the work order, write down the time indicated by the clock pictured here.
2:14
